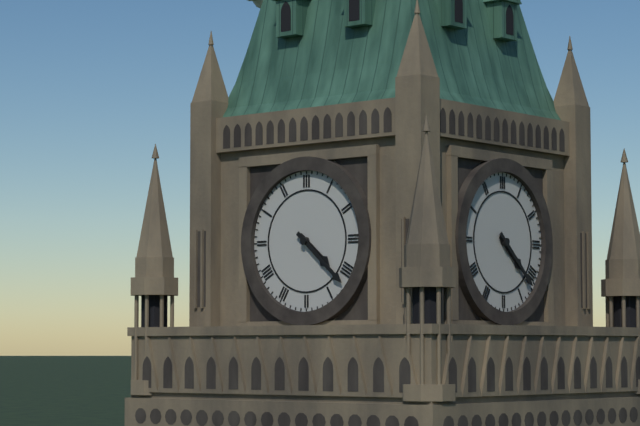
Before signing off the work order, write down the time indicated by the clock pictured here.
4:22
